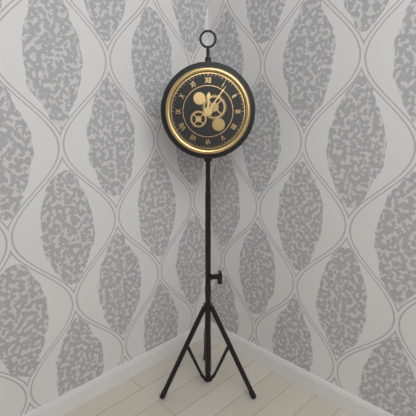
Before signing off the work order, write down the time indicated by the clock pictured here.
12:06
